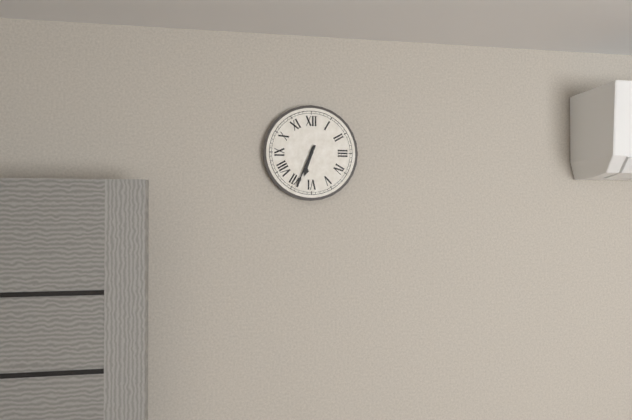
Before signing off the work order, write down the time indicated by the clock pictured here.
6:34
